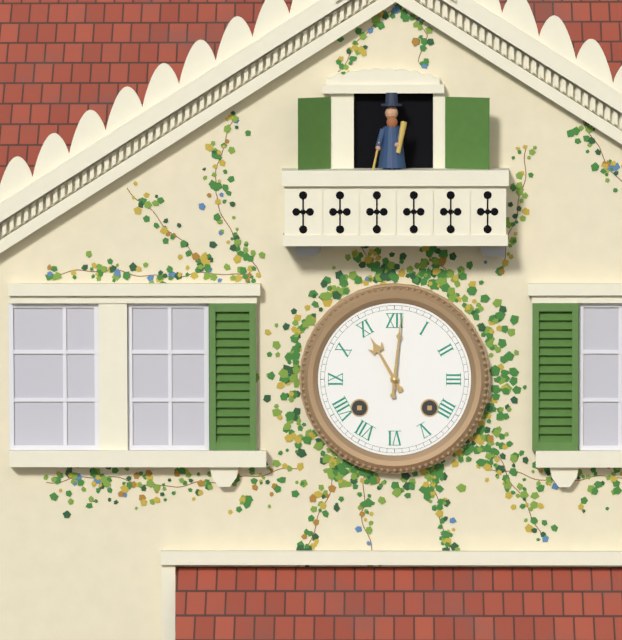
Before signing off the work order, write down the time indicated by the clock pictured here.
11:01
